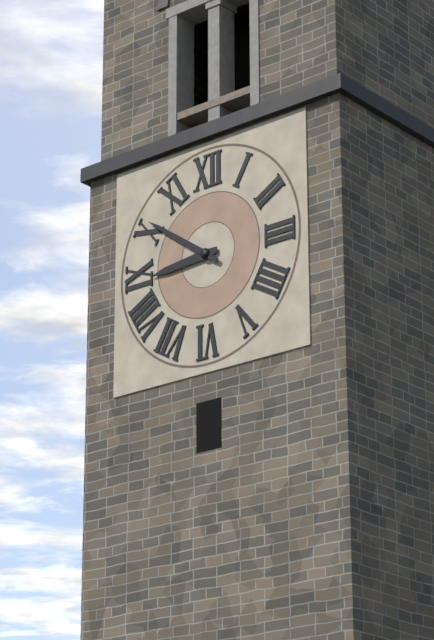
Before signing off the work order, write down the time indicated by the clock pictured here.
8:51
